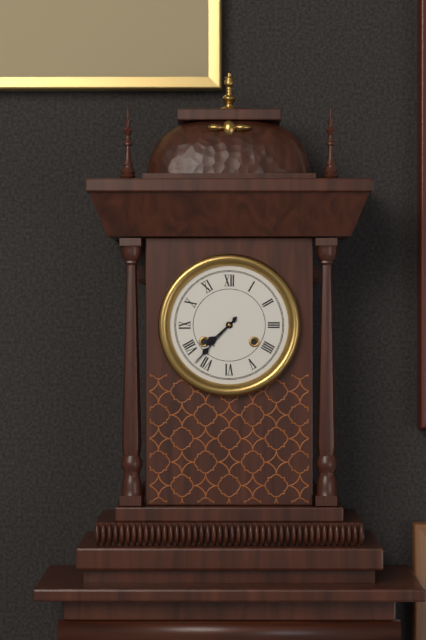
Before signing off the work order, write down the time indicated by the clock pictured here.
7:37
